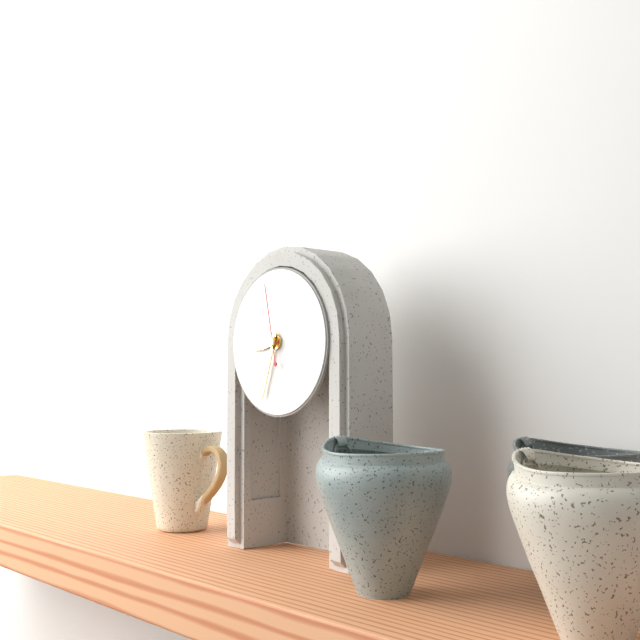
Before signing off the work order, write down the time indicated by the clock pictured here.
8:33:58
